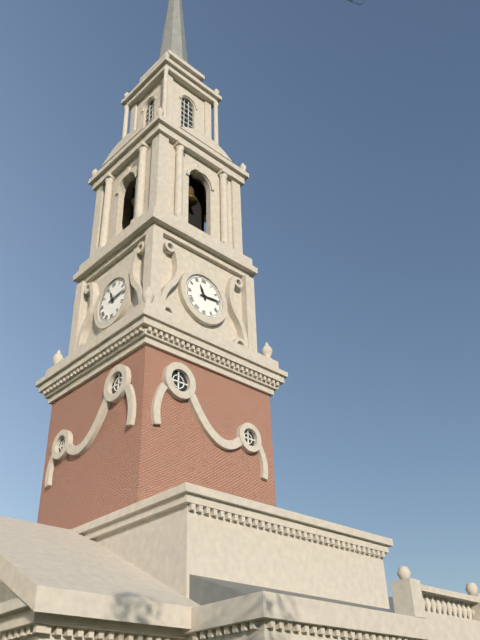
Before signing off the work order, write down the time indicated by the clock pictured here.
11:14
